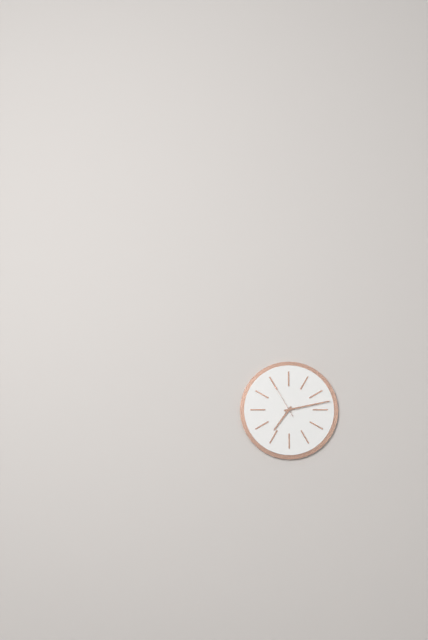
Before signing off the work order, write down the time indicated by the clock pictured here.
7:13
